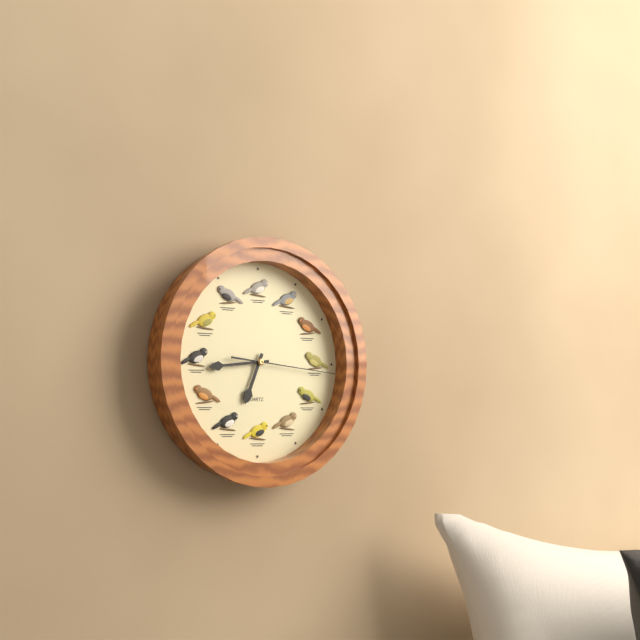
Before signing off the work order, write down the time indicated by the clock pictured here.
6:44:16
